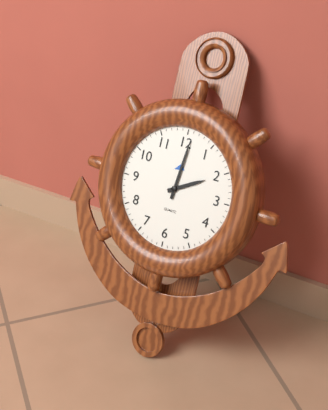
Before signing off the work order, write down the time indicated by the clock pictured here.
2:01
